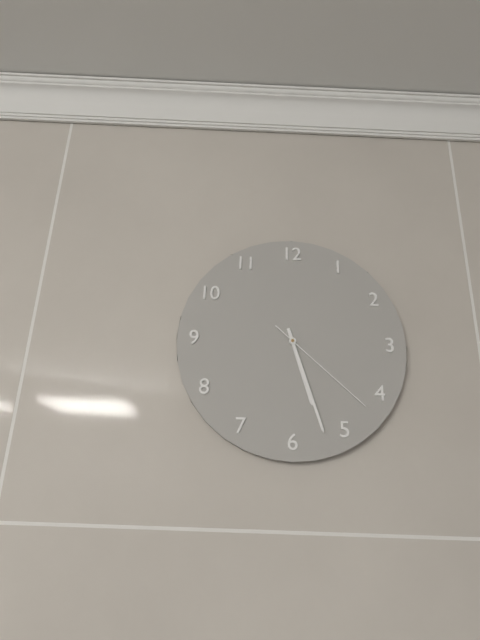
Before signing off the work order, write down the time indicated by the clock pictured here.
5:27:22
